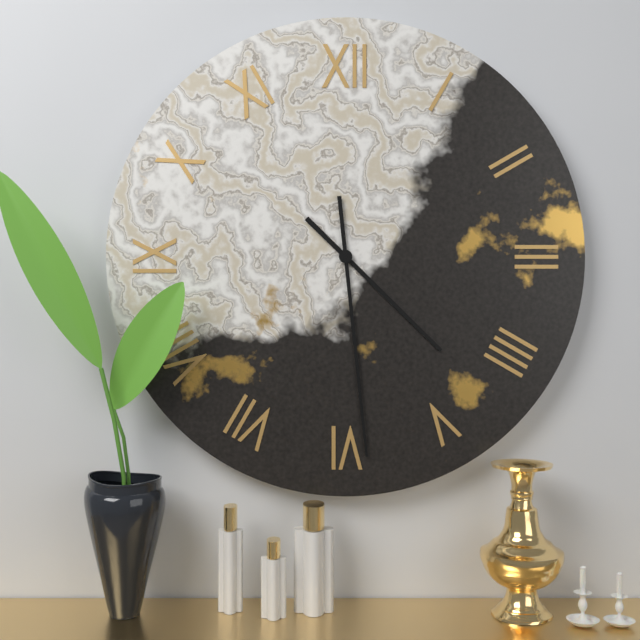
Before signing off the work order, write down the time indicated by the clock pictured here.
4:29
